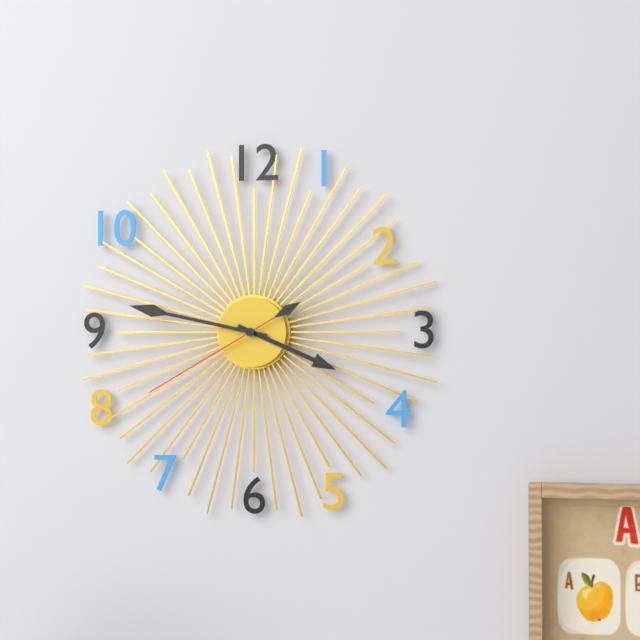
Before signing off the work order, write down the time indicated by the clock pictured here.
3:47:40
